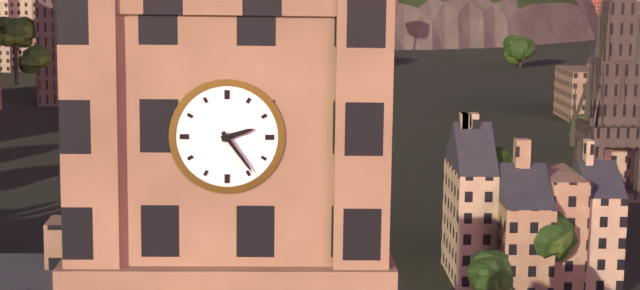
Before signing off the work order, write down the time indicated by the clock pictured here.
2:24
